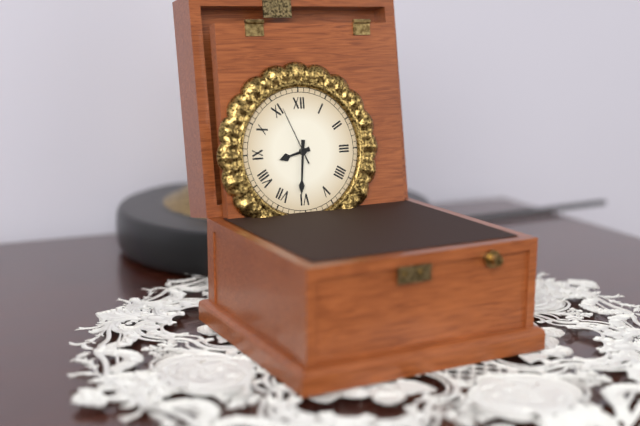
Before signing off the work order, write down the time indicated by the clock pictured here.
8:31:56
